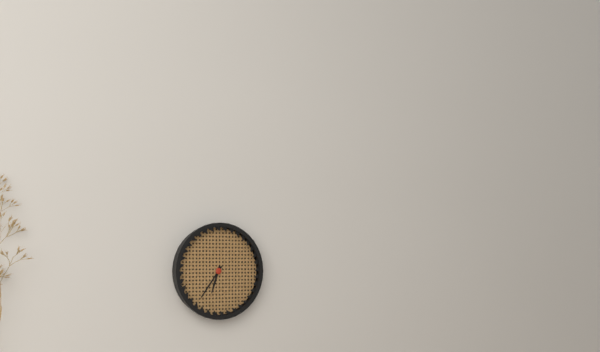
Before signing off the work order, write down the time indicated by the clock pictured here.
6:36
